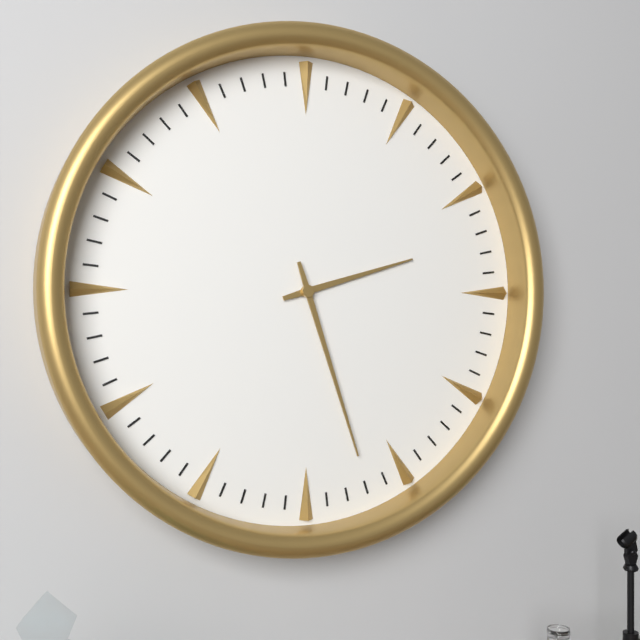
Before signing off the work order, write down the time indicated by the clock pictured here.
2:27
